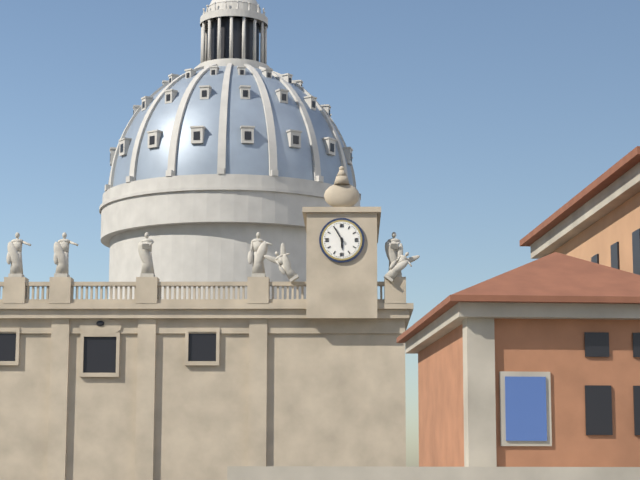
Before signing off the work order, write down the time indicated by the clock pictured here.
5:55
